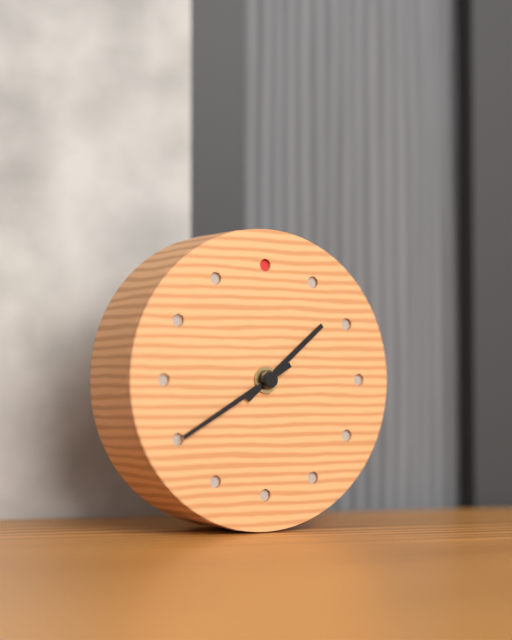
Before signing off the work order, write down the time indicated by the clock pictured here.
1:40
